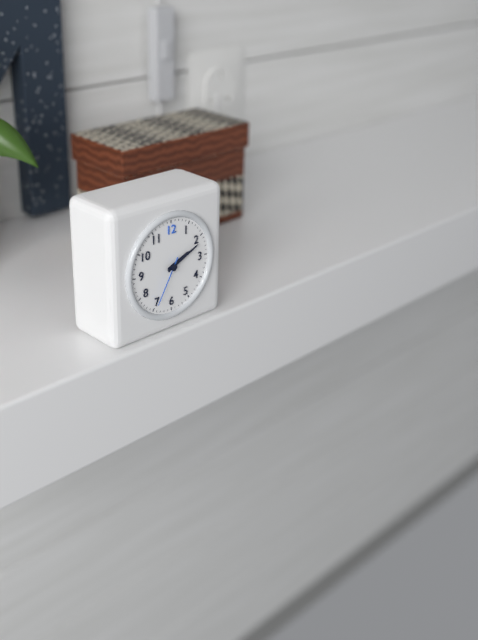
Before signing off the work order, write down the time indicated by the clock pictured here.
2:11:35
